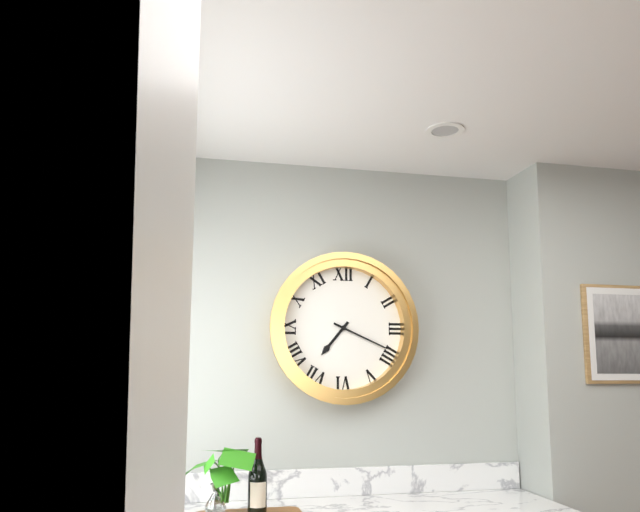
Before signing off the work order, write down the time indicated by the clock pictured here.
7:19
